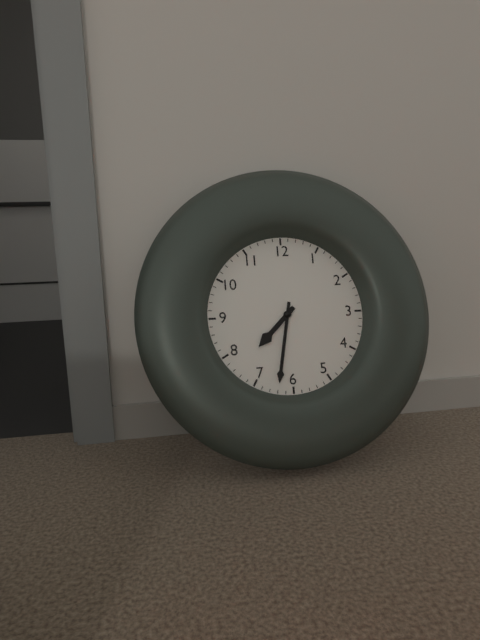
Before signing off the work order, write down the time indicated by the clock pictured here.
7:32
